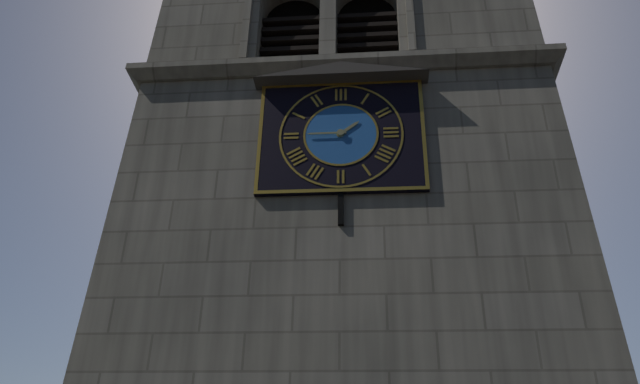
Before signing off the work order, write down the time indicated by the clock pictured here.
1:45
